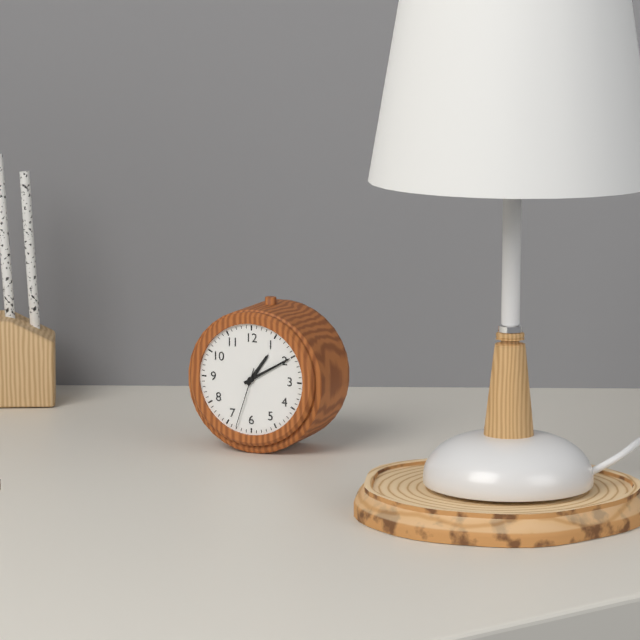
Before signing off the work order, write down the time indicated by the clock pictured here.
1:10:33
